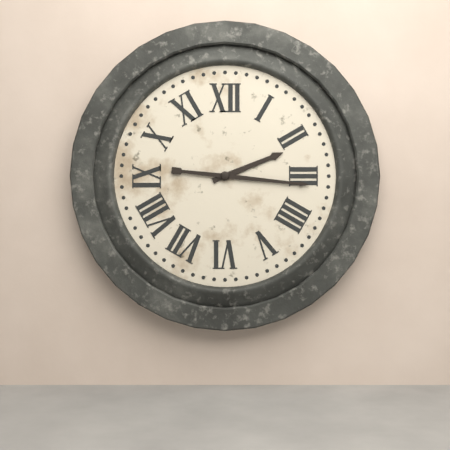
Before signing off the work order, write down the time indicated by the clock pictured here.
2:16
